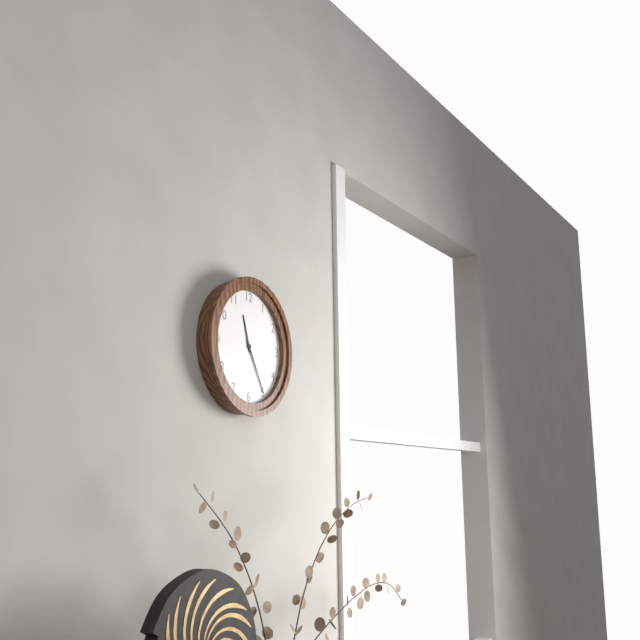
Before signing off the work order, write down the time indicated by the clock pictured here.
11:25
